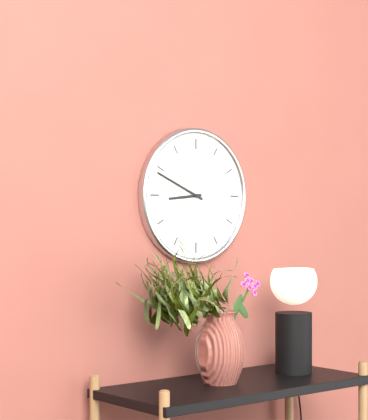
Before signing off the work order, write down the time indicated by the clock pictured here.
8:49
